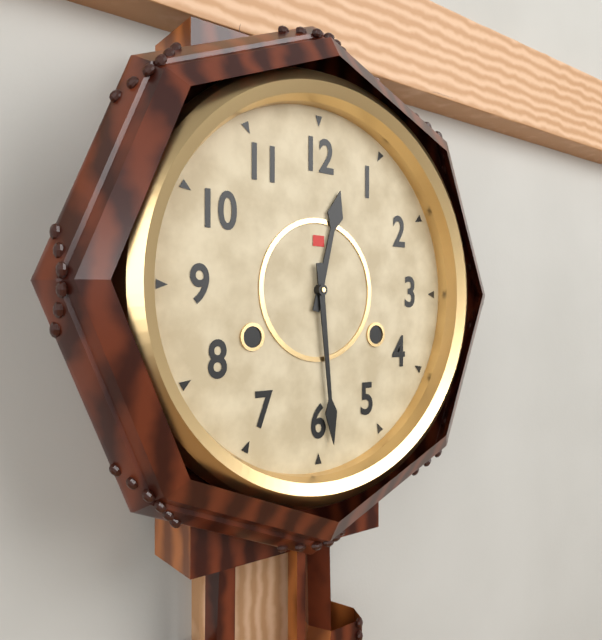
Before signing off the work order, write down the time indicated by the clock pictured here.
12:29
